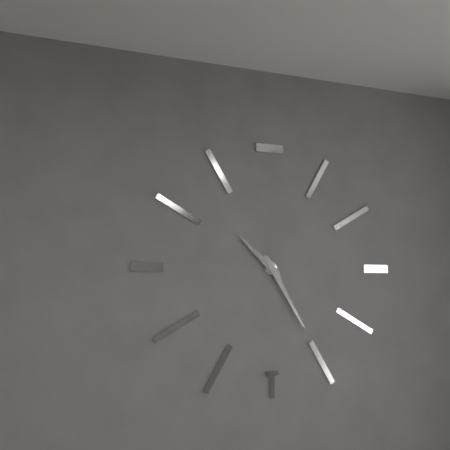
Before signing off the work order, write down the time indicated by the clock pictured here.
10:25
